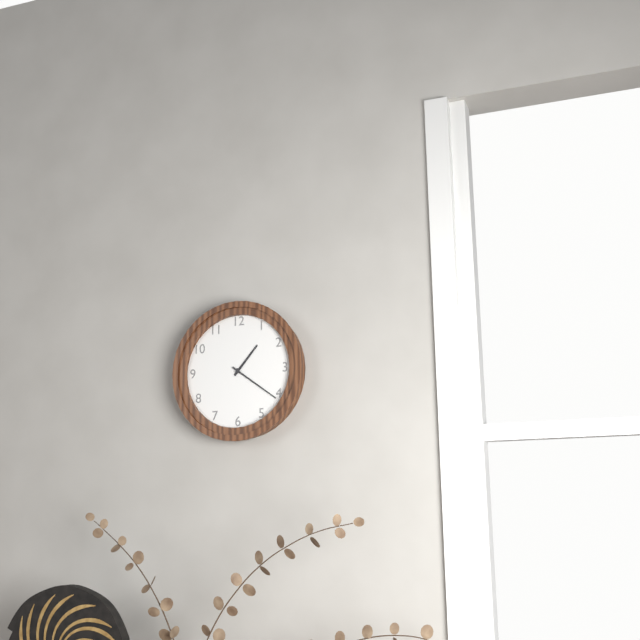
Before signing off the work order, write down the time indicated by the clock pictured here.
1:21
